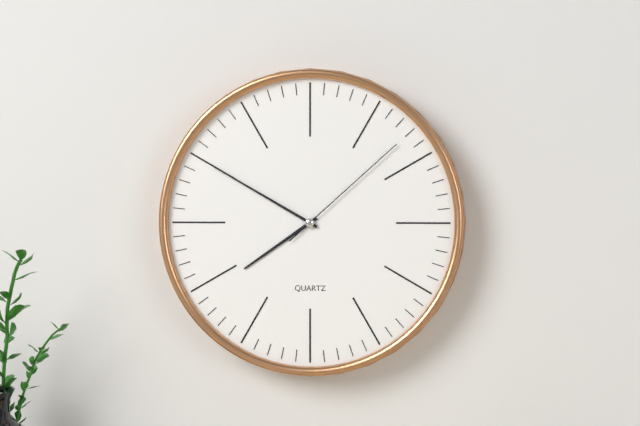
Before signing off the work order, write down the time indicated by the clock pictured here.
7:50:08
